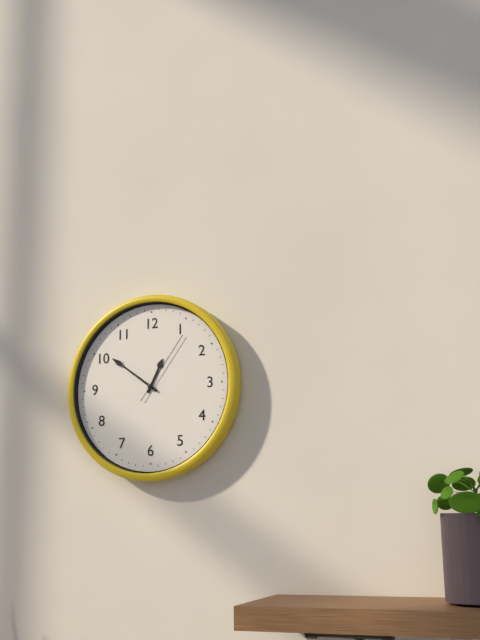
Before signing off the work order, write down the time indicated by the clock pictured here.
12:51:06
